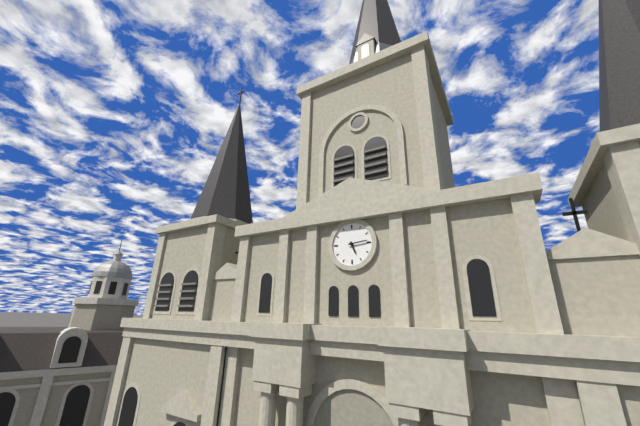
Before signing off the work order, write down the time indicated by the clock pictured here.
5:14
